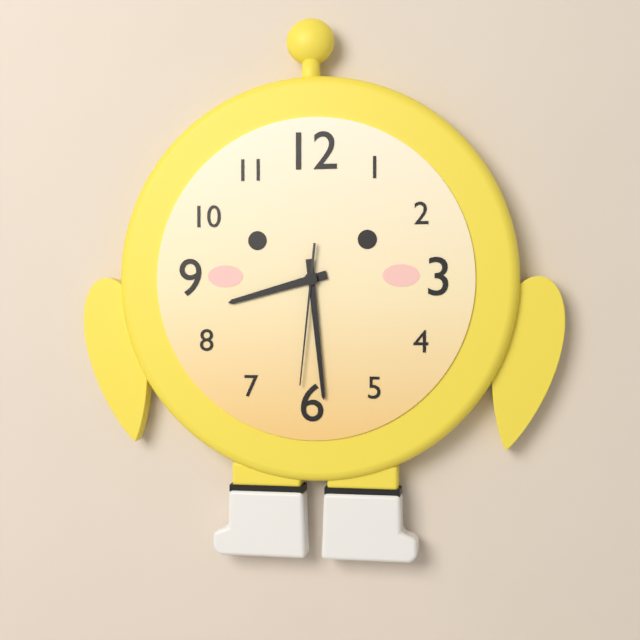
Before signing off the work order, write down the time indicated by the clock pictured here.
8:29:31
